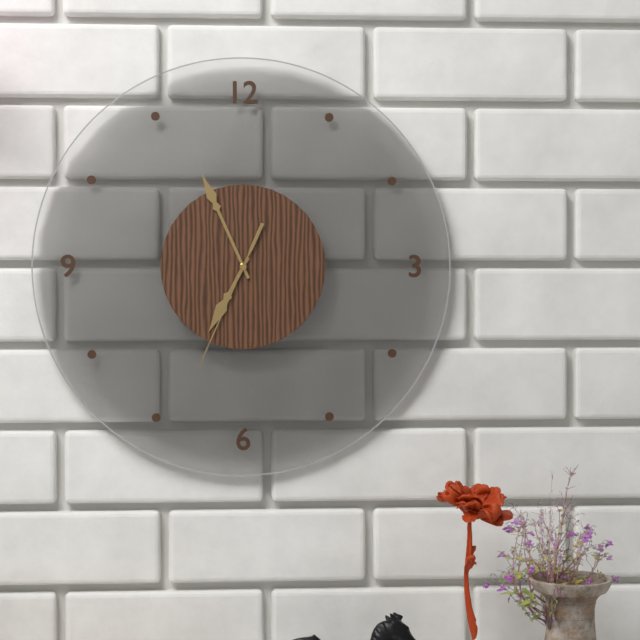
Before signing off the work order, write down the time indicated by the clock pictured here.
6:56:34
